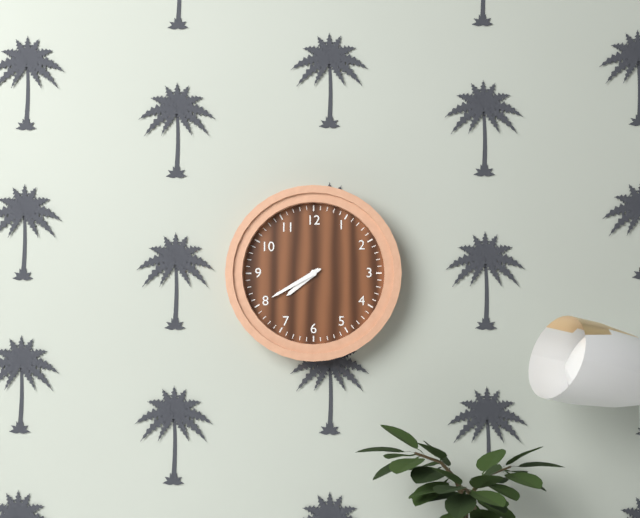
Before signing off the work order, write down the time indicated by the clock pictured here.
7:40
